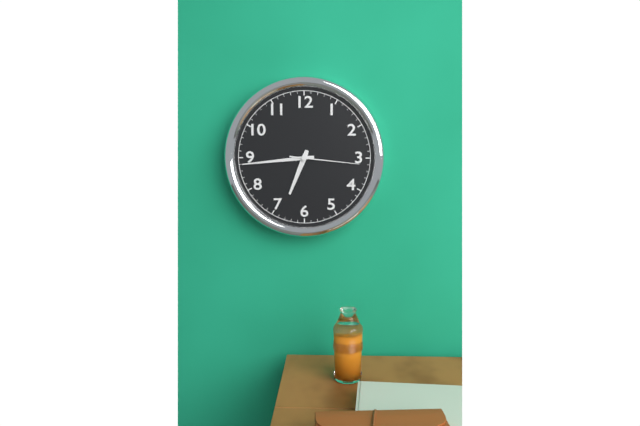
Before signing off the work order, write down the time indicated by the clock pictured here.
6:44:16
